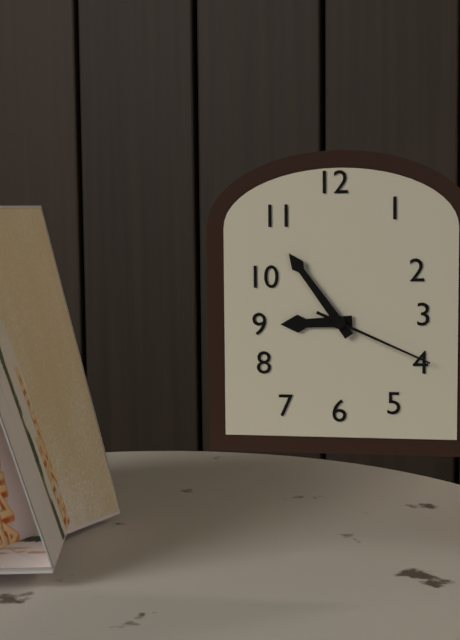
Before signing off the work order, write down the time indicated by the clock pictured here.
8:54:19
